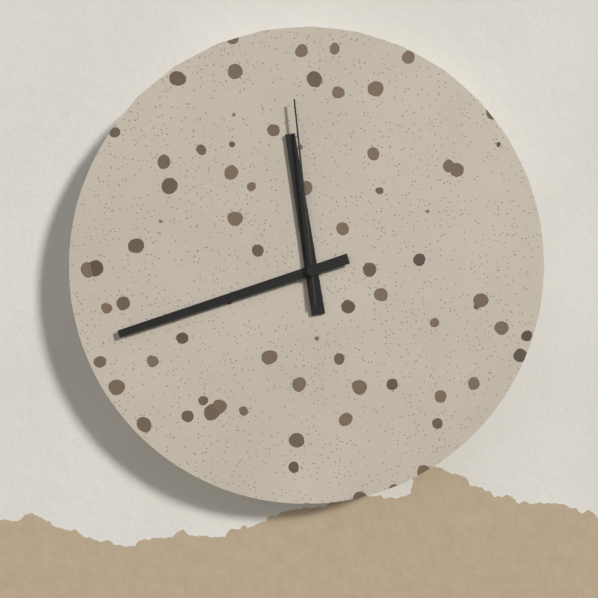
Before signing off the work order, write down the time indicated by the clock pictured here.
11:42:59
